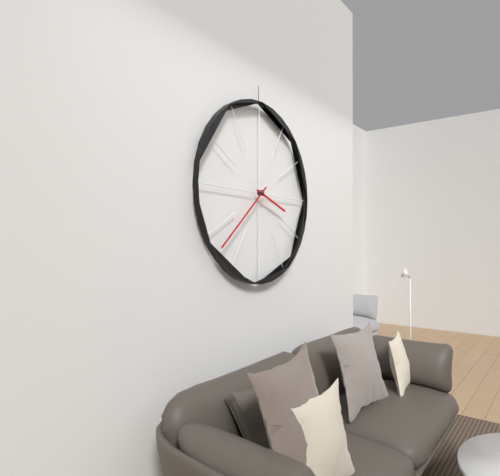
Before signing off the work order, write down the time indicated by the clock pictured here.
3:38
